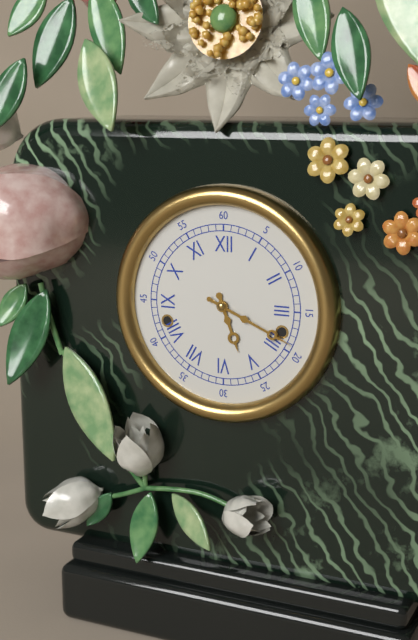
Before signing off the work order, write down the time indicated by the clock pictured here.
5:19
